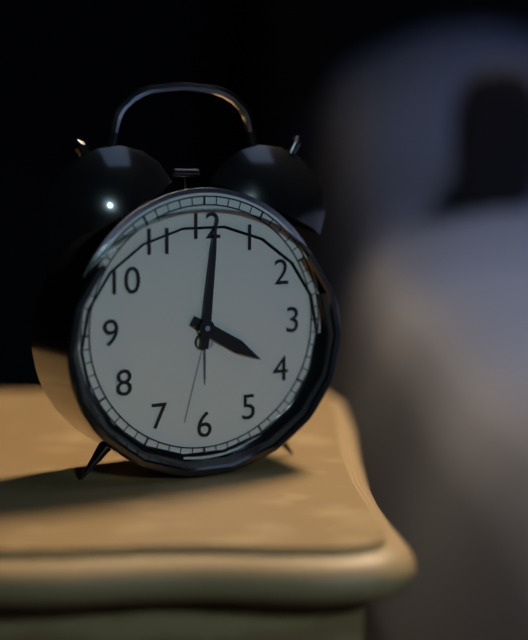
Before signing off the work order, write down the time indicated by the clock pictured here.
4:01
